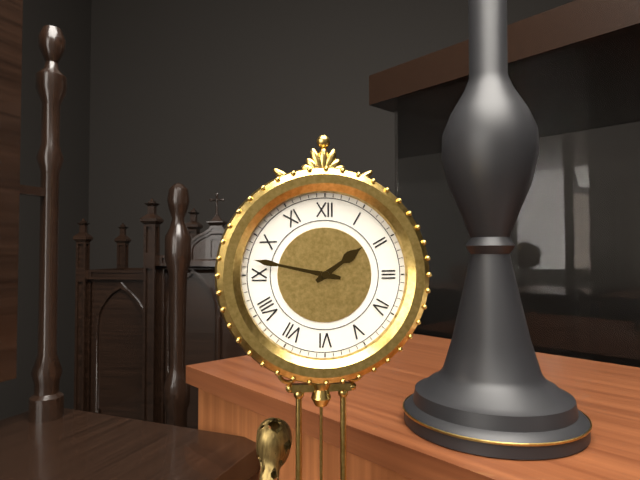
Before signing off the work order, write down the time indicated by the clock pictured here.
1:47
